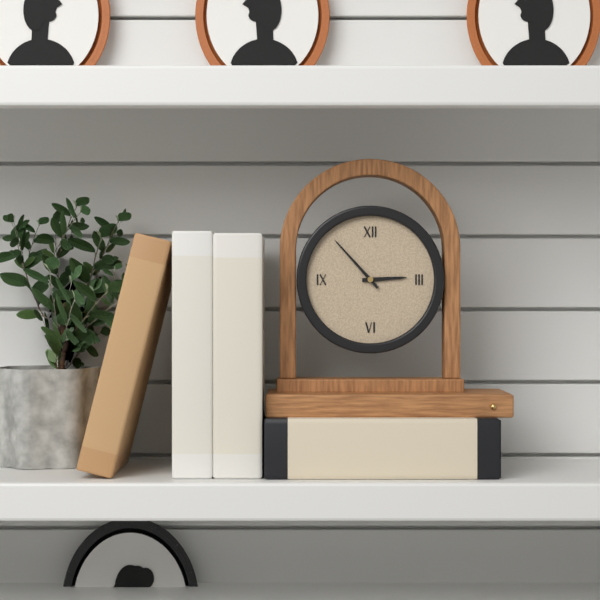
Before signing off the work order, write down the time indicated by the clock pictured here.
2:53
